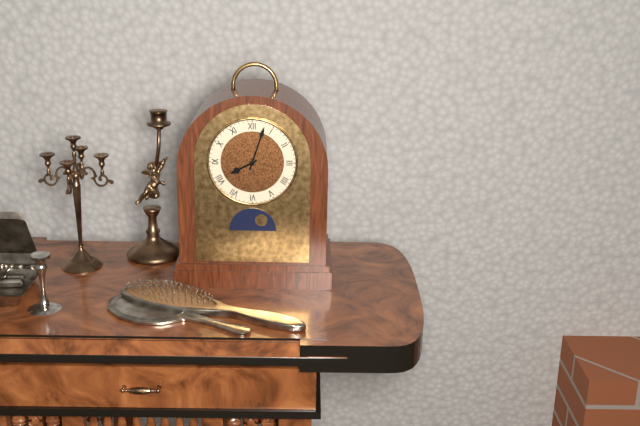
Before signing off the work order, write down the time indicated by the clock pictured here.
8:03
